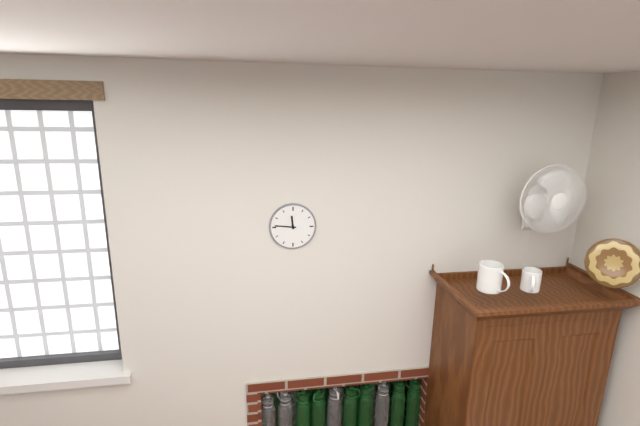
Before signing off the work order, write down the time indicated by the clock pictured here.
11:46
